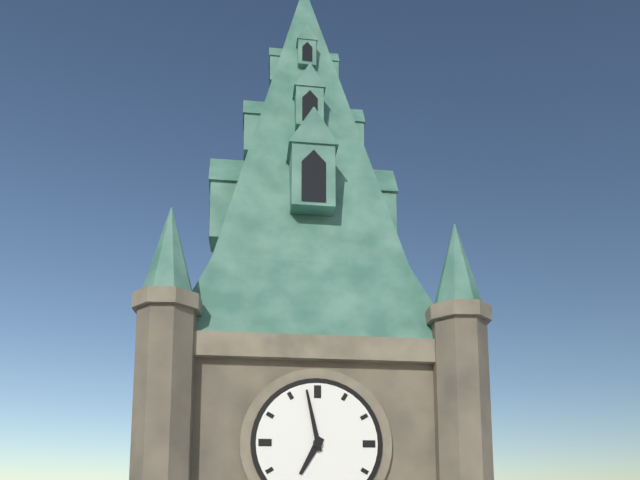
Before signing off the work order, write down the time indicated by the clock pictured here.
6:58
